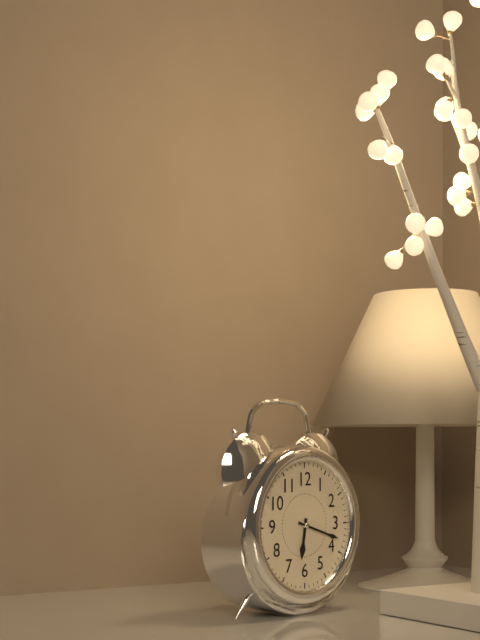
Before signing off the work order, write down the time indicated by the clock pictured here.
6:18
